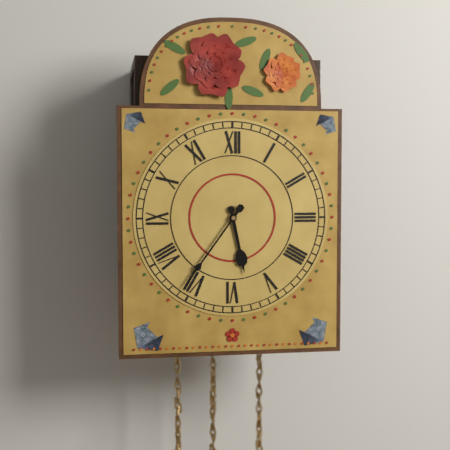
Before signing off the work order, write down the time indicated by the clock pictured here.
5:36
